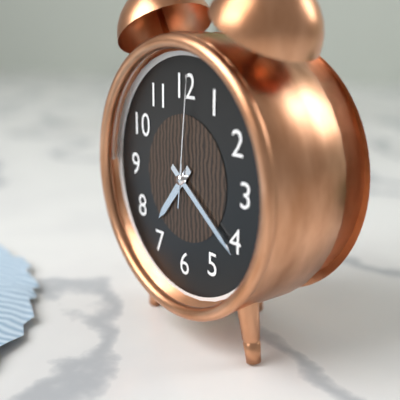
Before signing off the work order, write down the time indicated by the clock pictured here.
7:21:01
